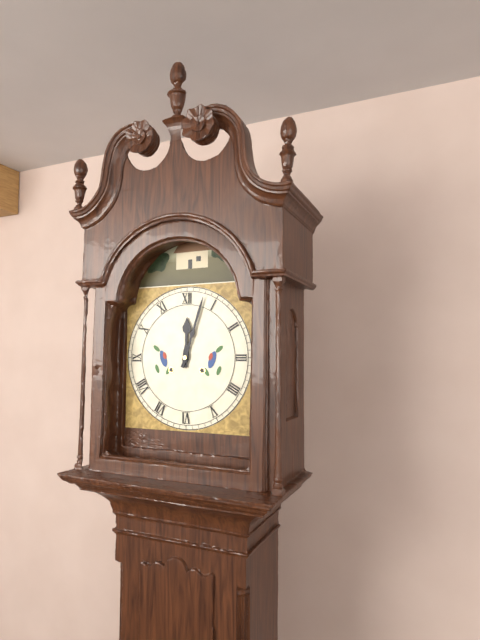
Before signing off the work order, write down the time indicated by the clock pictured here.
12:03
